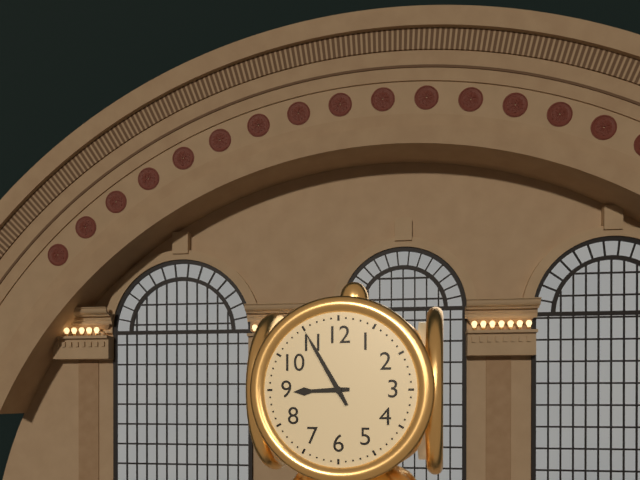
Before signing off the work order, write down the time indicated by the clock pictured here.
8:55
